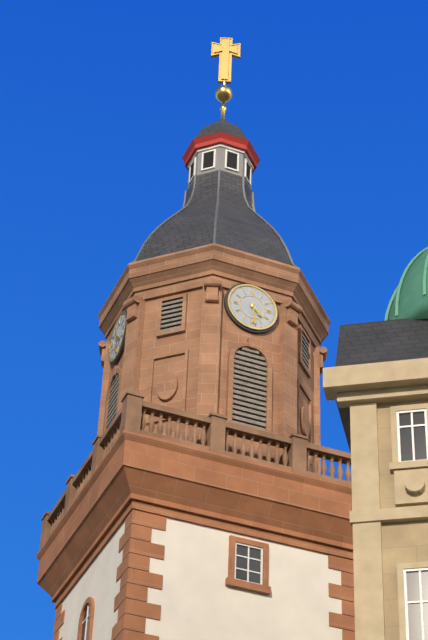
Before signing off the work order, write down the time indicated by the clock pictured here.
4:29
